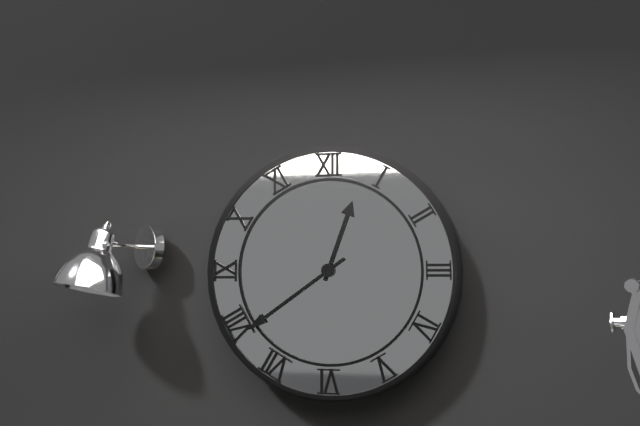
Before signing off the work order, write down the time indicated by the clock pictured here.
12:39
